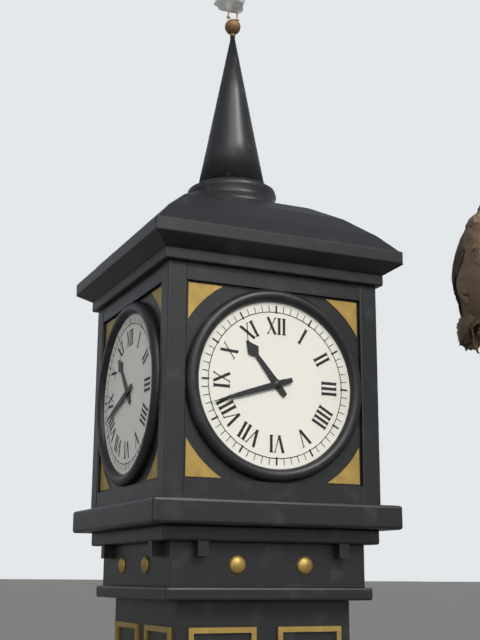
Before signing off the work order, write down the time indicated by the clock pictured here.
10:42
